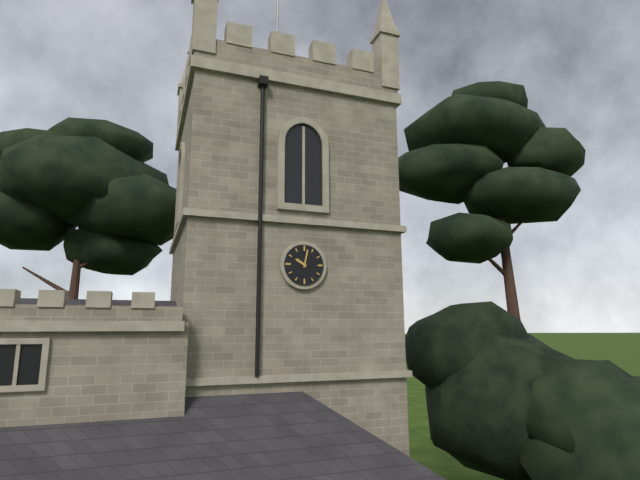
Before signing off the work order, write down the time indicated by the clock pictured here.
10:02
